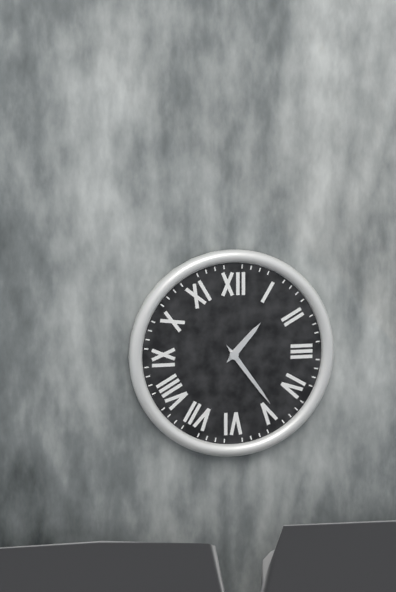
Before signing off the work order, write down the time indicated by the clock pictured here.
1:24
